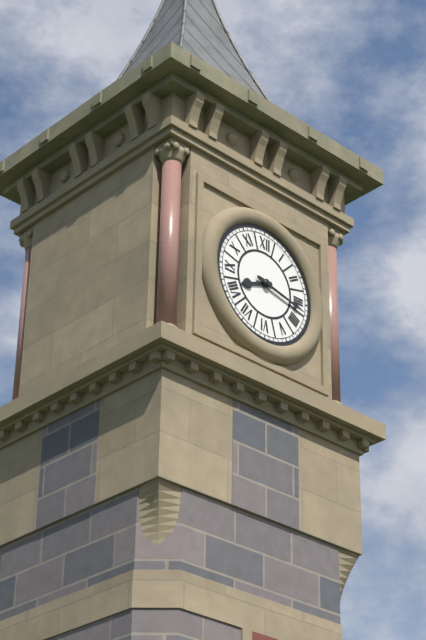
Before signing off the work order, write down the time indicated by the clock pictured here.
8:17
